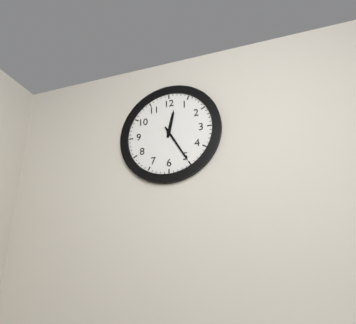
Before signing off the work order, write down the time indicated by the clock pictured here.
12:25
